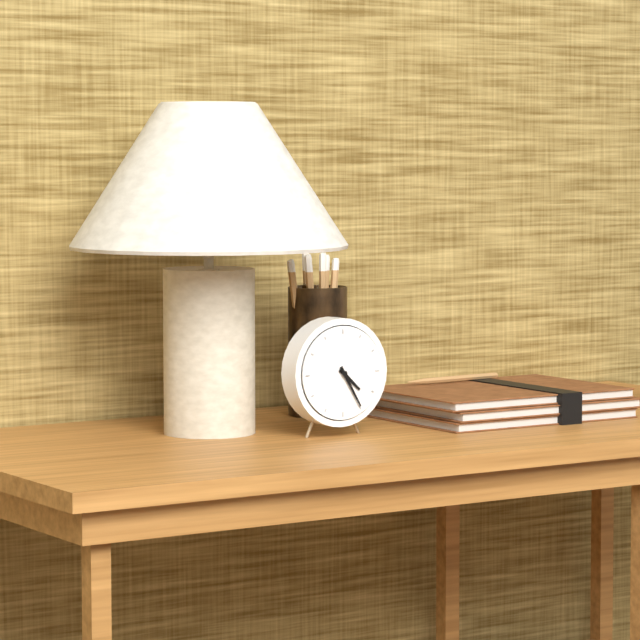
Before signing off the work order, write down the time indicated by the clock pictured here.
4:25
